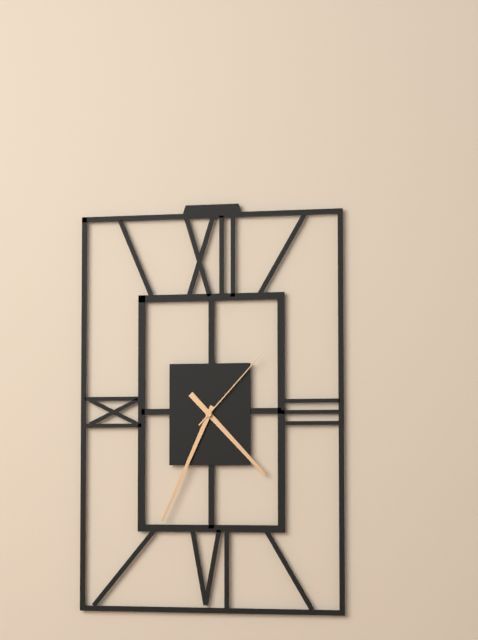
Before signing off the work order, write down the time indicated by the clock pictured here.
4:34:07
